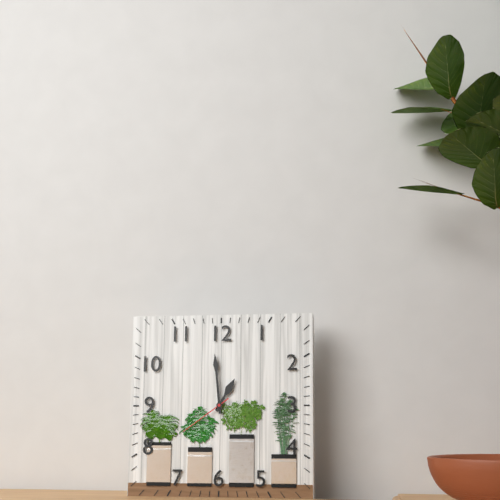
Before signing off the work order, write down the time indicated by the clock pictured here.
12:59:39
